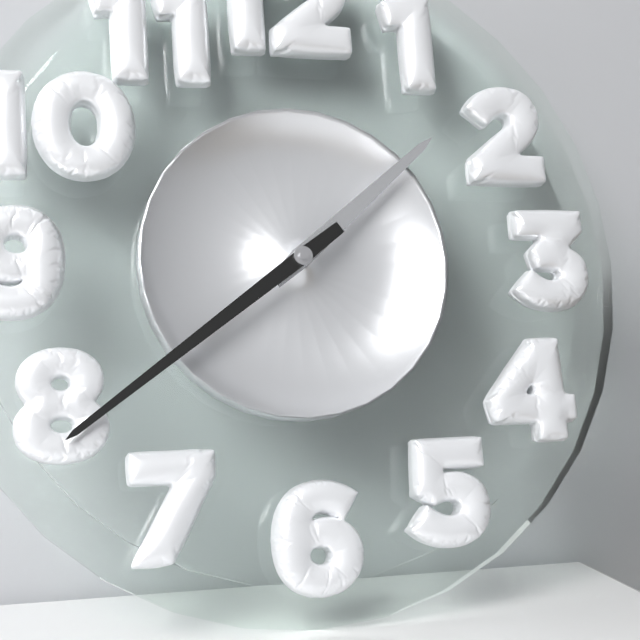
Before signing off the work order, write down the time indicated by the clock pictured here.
1:39
